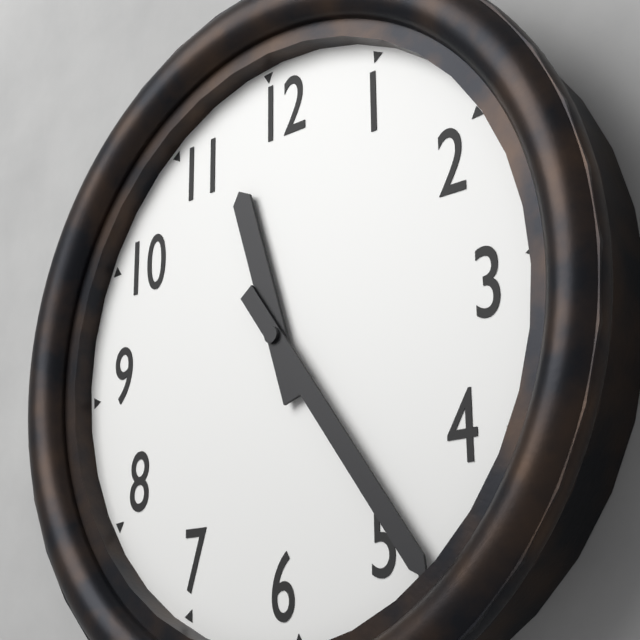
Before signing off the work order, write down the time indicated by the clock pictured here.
11:24
